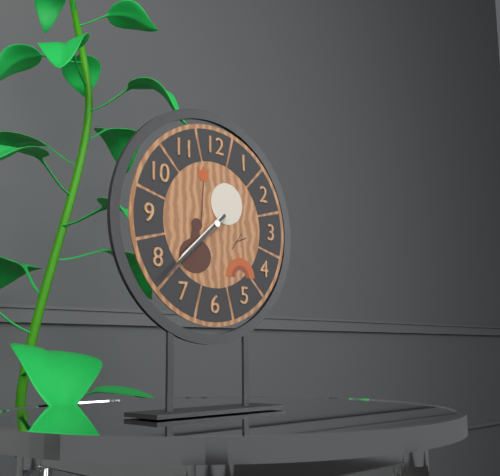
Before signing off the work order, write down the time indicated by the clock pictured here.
7:38
